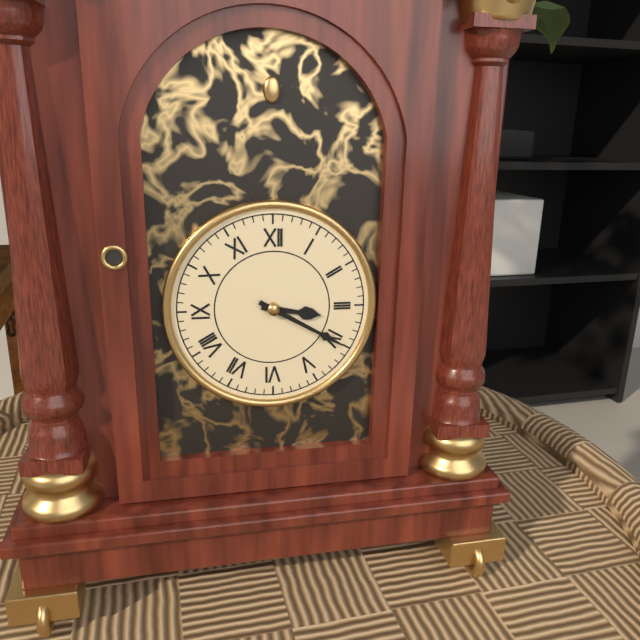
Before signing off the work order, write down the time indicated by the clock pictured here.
3:20
